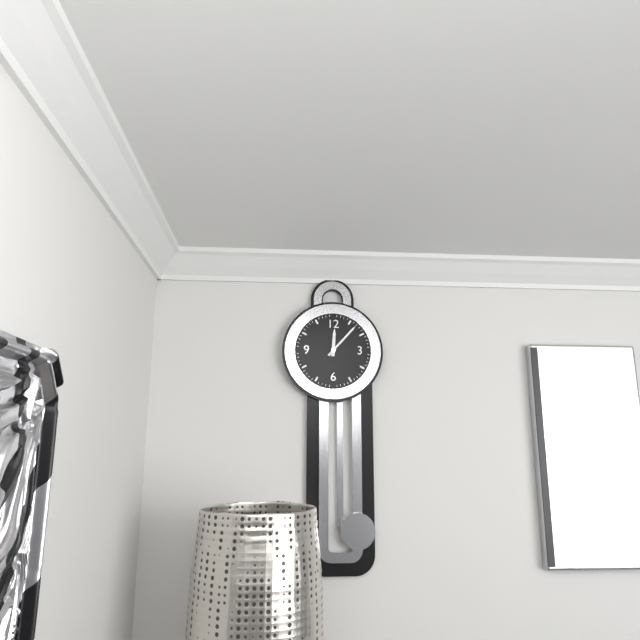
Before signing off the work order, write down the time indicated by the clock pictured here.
12:07
